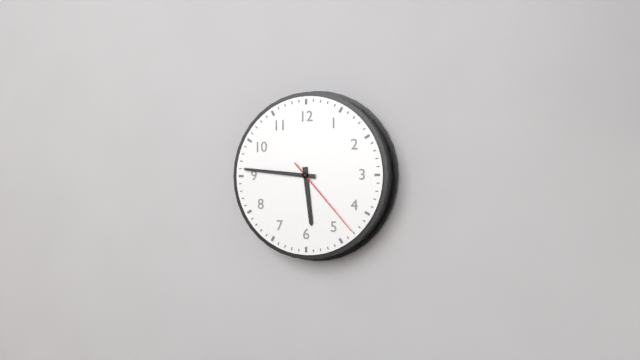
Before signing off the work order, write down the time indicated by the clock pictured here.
5:46:23
